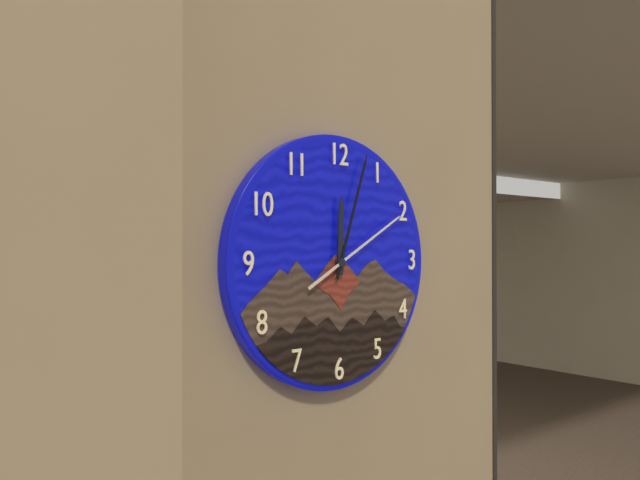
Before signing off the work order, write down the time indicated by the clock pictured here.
12:03:10
